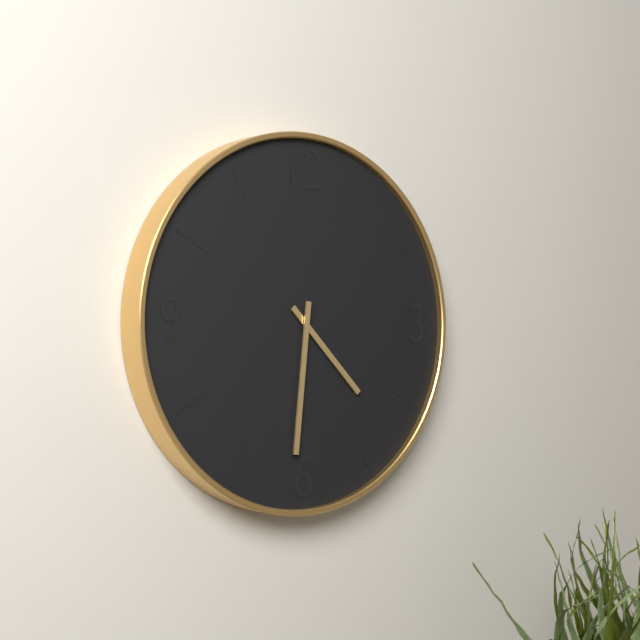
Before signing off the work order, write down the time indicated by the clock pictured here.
4:31
